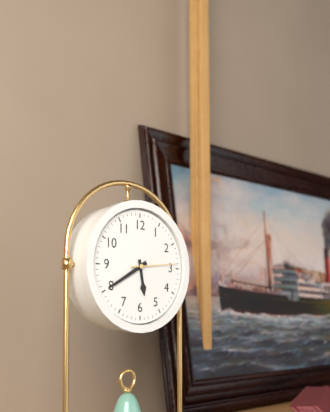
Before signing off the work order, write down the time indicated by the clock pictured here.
5:40
